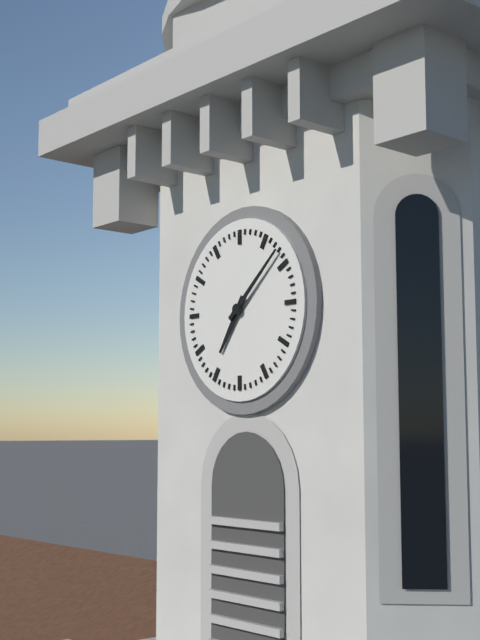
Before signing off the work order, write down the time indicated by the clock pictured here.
7:08
